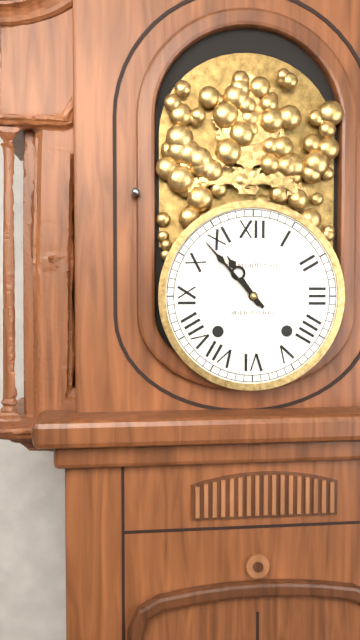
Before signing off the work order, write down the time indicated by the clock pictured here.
10:53
